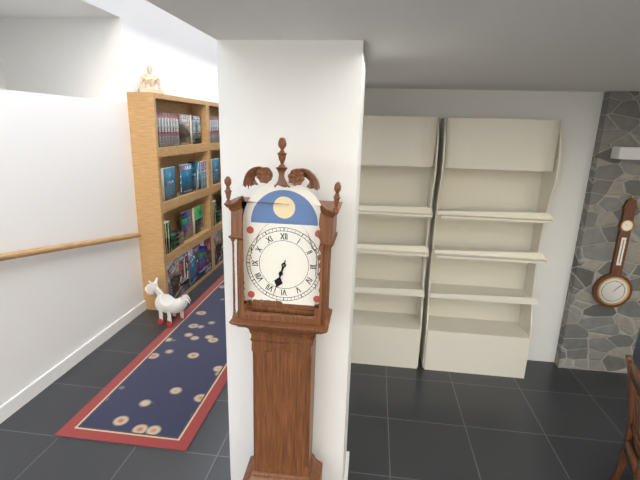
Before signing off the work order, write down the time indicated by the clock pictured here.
6:33
